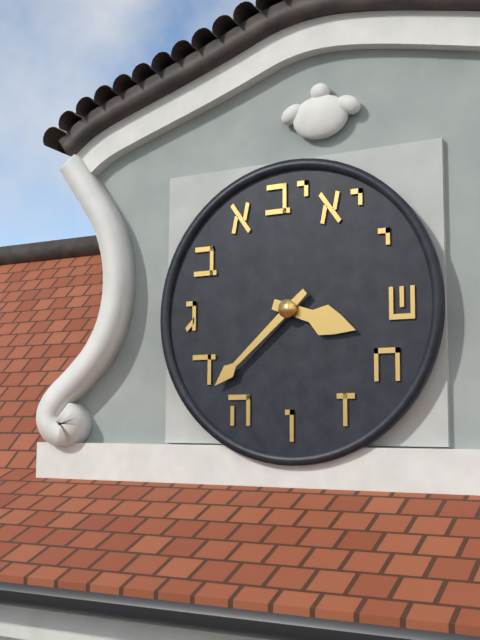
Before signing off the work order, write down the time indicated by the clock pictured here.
3:38
